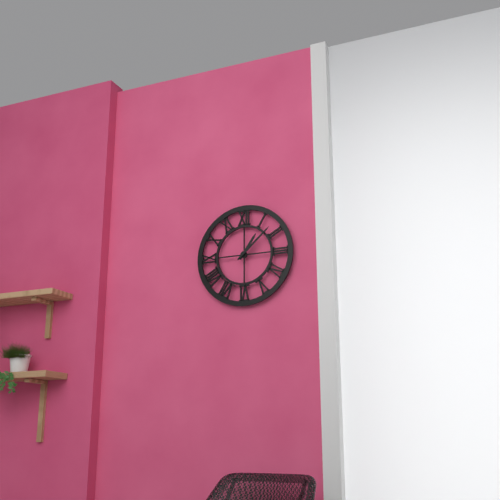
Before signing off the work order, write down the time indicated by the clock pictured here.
1:08
